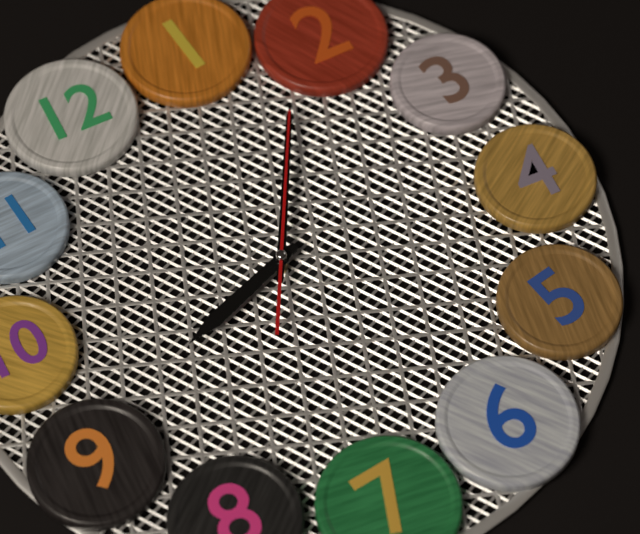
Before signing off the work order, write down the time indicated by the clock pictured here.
9:09:09
